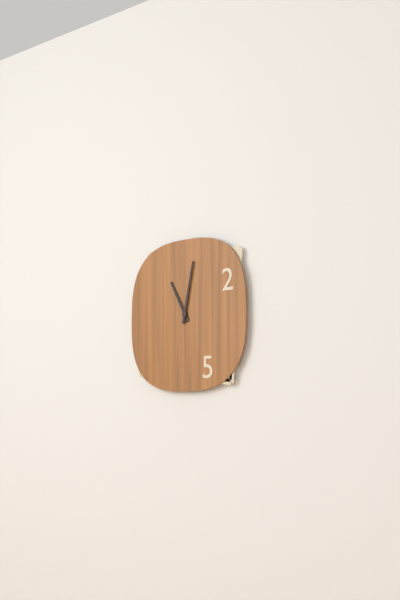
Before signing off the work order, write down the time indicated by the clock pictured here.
11:02
